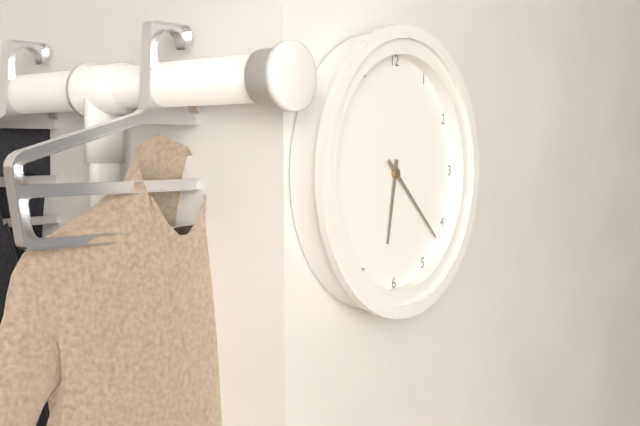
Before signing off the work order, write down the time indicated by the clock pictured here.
6:22
